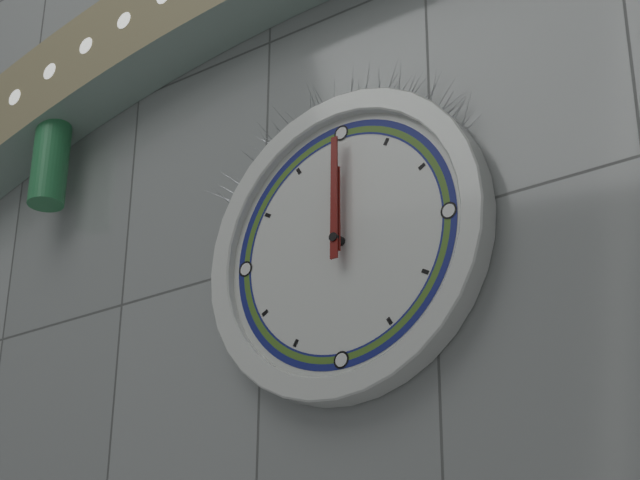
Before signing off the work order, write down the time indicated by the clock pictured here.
12:00
